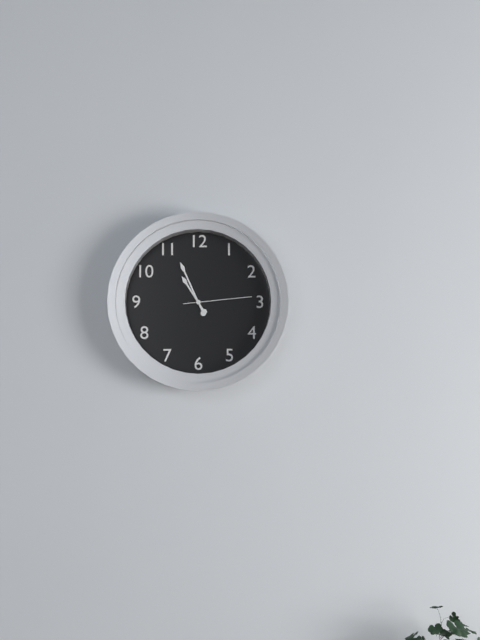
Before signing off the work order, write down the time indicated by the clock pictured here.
10:56:14
